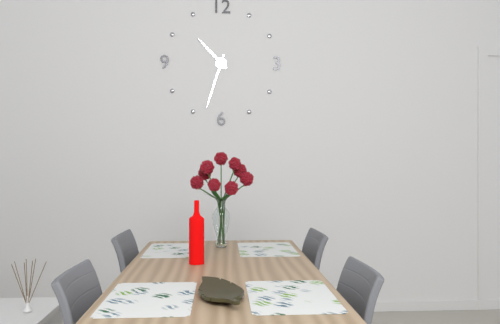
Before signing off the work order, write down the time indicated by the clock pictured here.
10:33
